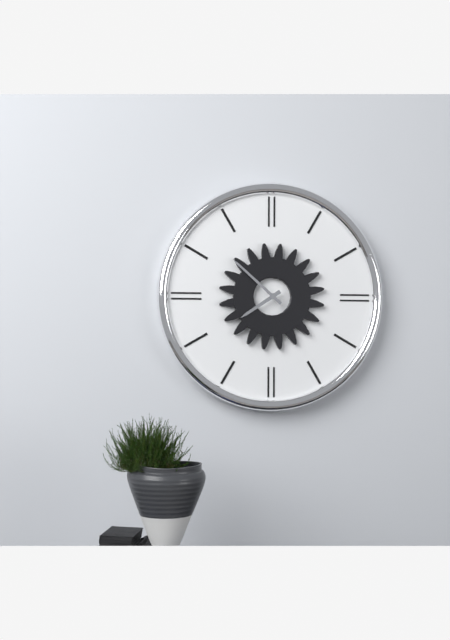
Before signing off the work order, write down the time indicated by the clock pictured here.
7:52
